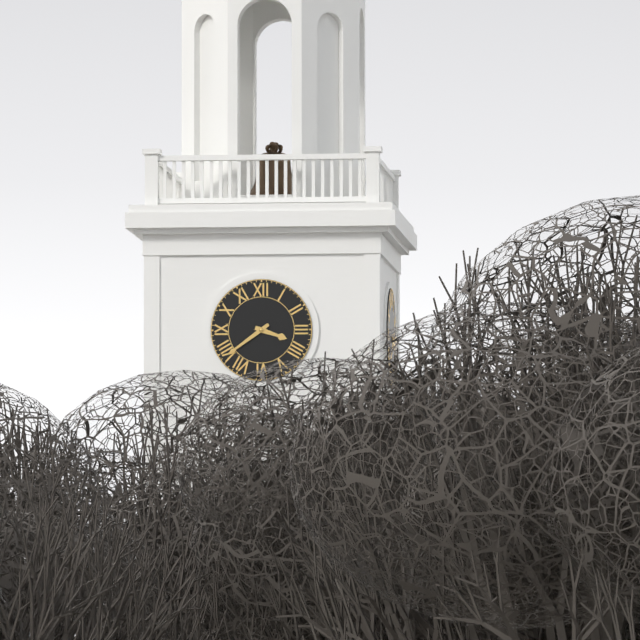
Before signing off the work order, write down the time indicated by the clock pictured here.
3:39
